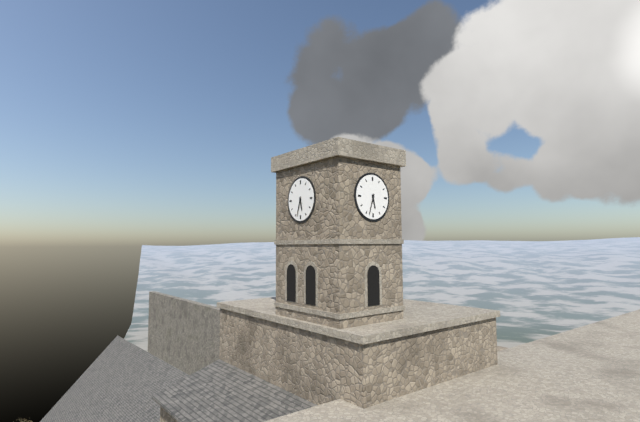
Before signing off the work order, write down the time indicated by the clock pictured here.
5:33
